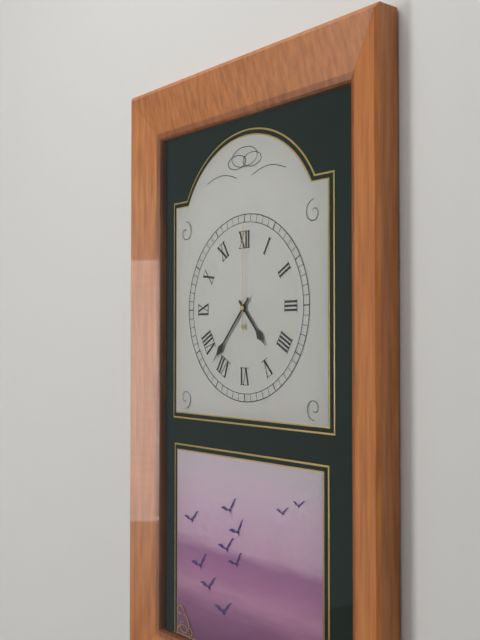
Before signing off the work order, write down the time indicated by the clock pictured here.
4:37:00
